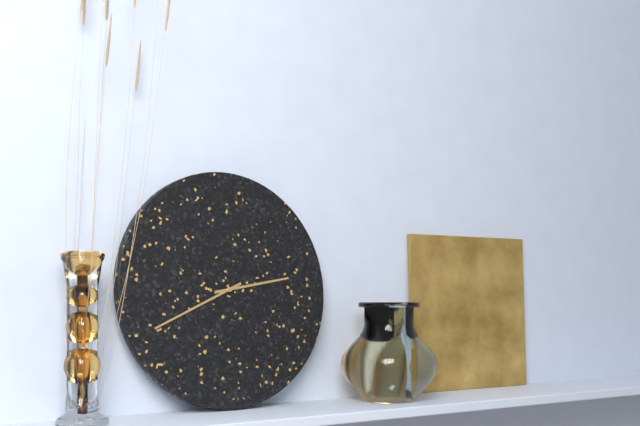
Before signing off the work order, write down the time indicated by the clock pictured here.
2:41
